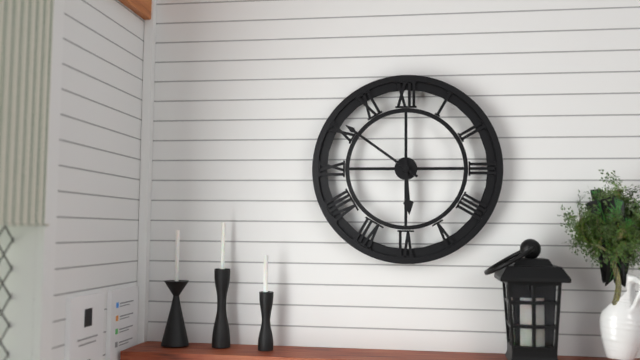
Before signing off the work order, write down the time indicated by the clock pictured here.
5:51
